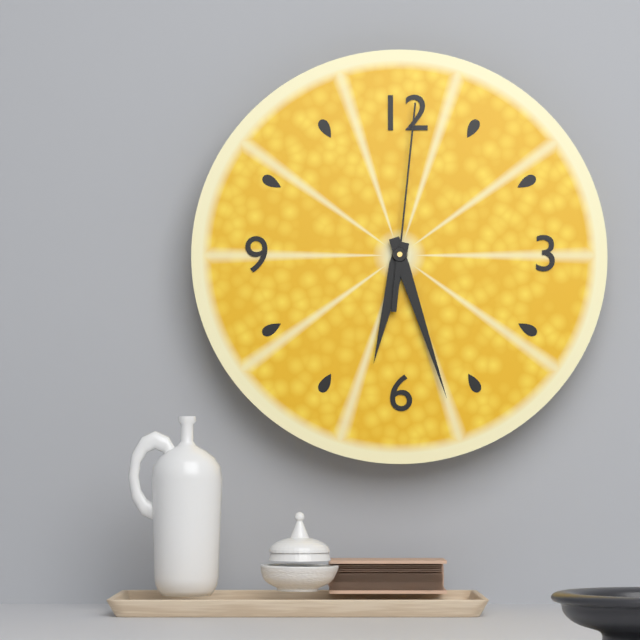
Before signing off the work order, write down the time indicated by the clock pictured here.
6:27:01
